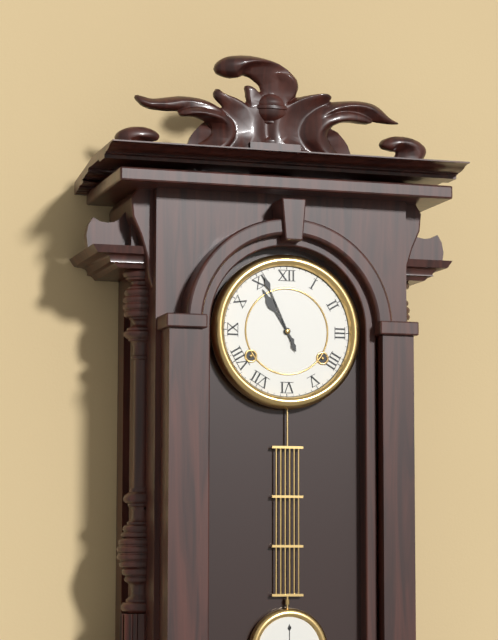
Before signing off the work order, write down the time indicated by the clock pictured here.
10:56
